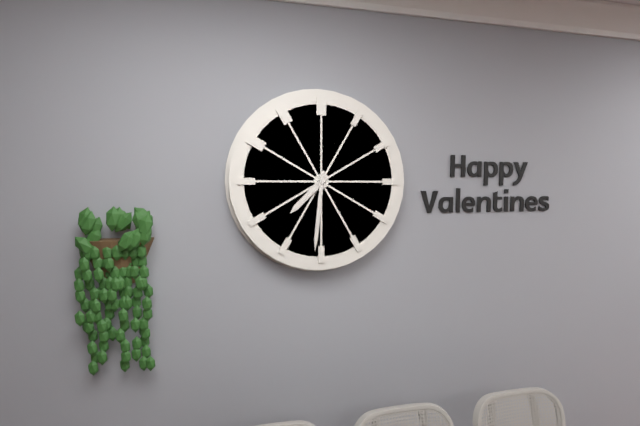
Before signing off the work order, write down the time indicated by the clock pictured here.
7:31
